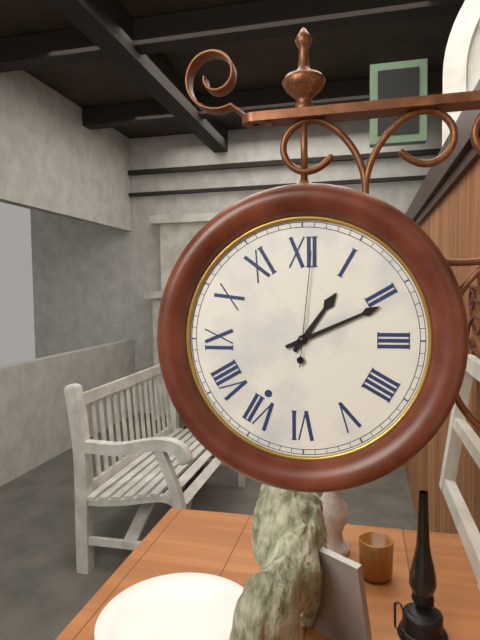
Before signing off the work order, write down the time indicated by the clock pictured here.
1:11:01
